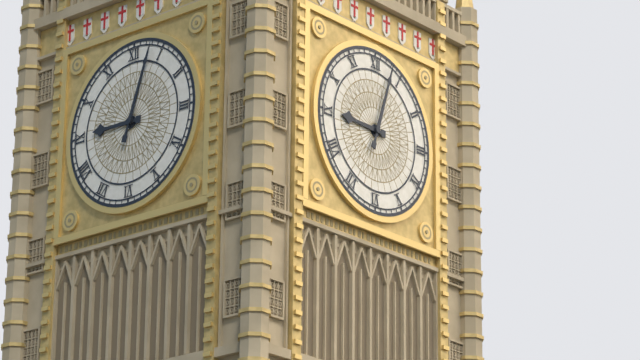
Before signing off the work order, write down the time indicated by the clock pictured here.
9:03
